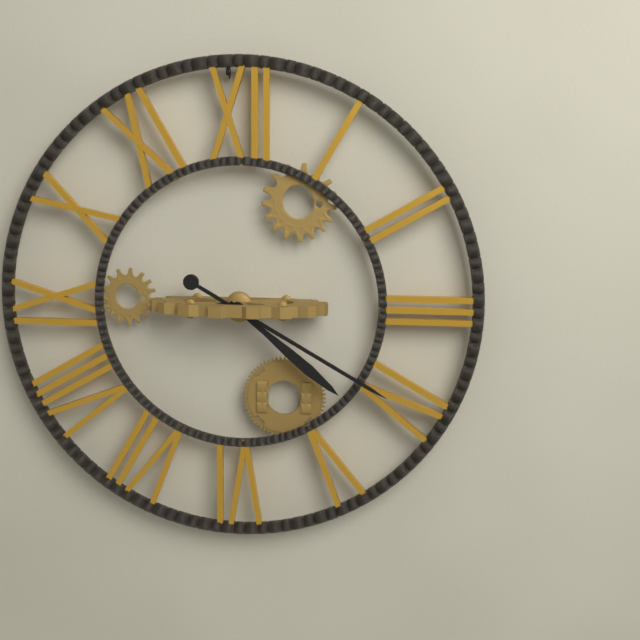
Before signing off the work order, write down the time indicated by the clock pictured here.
4:20
